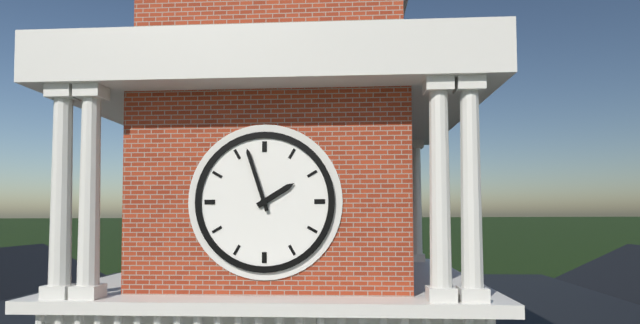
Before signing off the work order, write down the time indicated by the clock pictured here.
1:57
